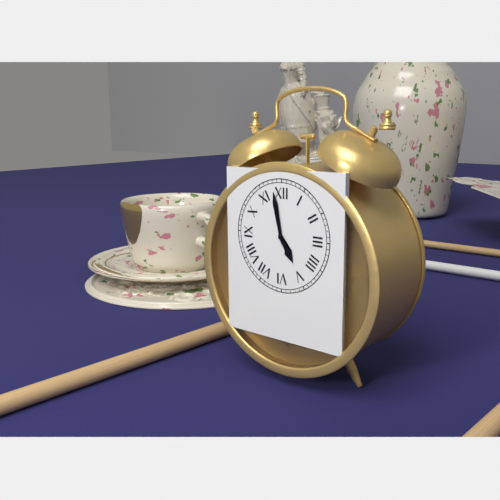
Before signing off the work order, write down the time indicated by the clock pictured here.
4:58
